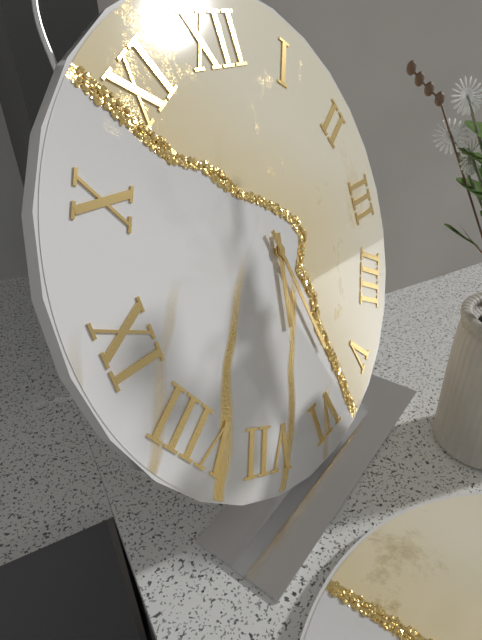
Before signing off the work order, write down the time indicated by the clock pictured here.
6:28
